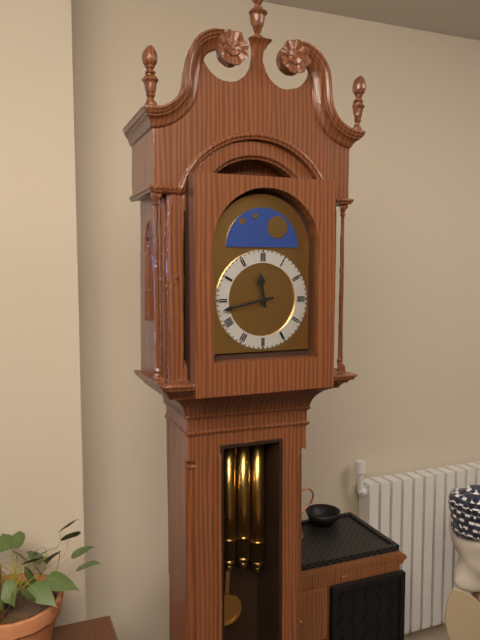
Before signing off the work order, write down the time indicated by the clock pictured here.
11:43
